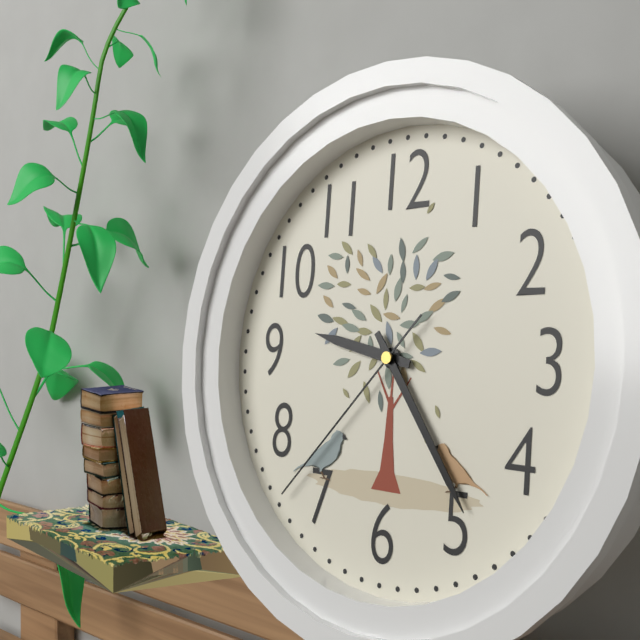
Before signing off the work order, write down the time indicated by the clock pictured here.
9:24:37
